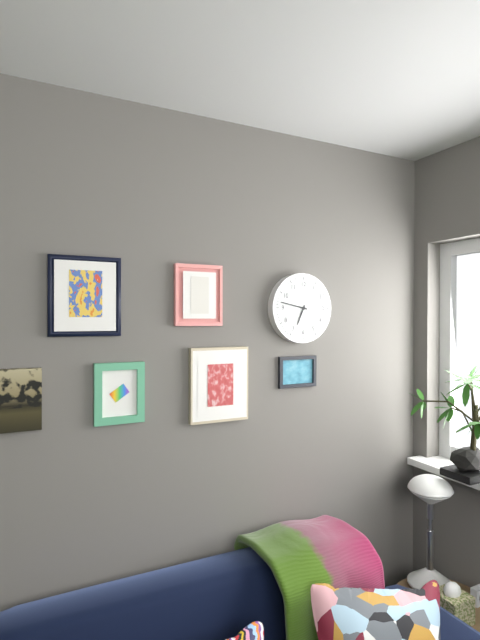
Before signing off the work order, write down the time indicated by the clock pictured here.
6:47
